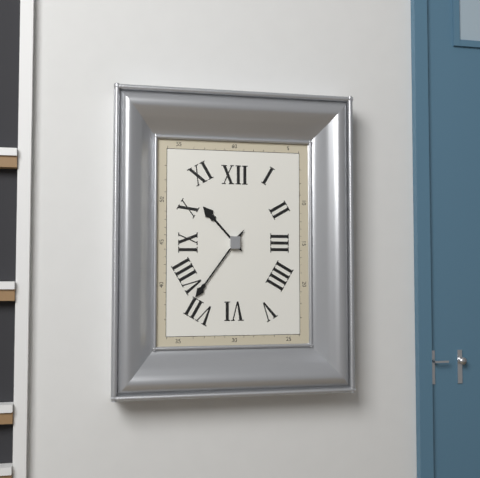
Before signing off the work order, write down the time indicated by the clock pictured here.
10:36
